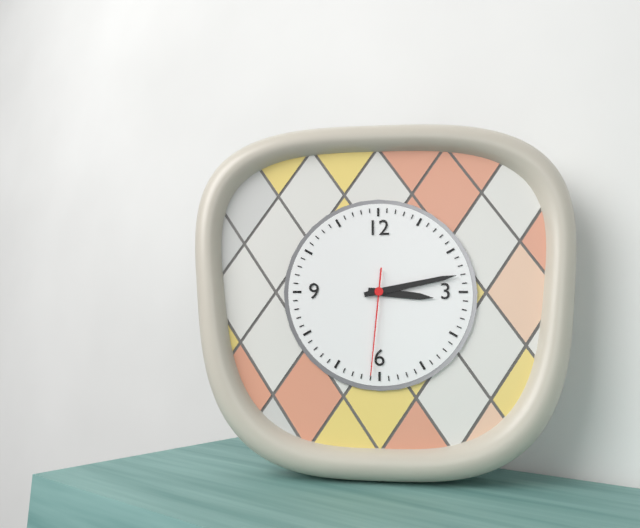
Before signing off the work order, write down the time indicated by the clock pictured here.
3:13:31
